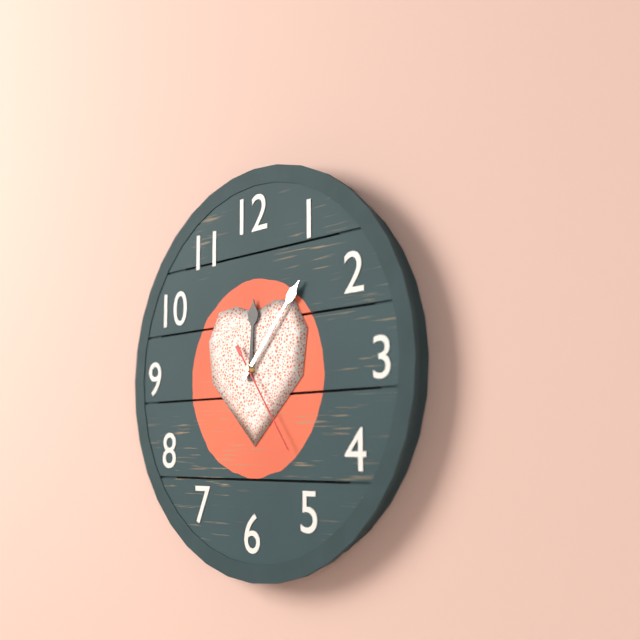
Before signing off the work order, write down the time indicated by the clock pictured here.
12:07:24
